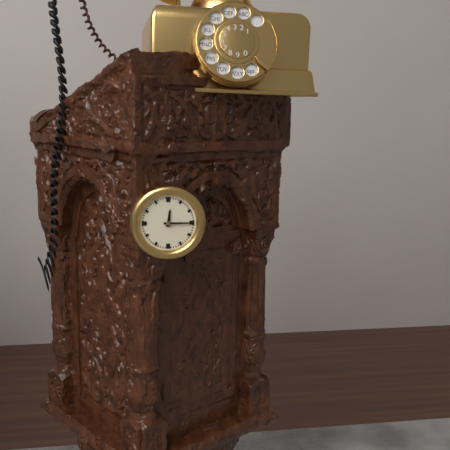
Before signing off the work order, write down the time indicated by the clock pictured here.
12:15
